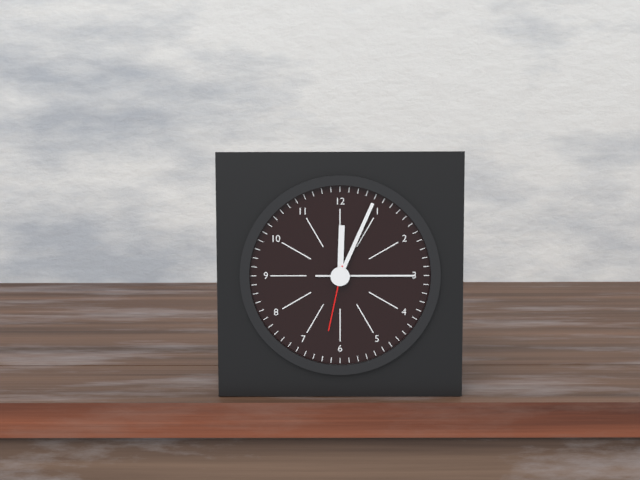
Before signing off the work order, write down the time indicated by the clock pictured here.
12:04:32
